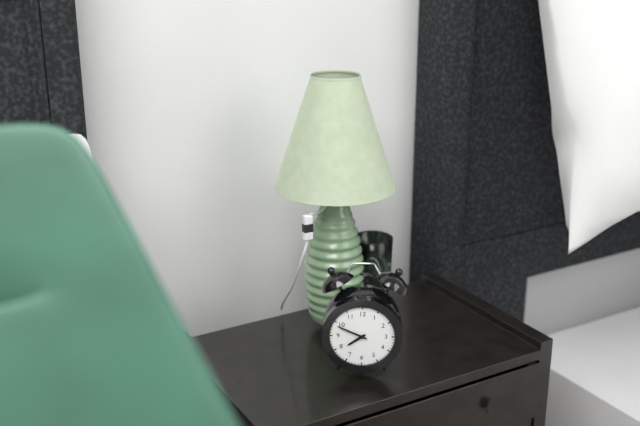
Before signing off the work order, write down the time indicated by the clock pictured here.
7:49
